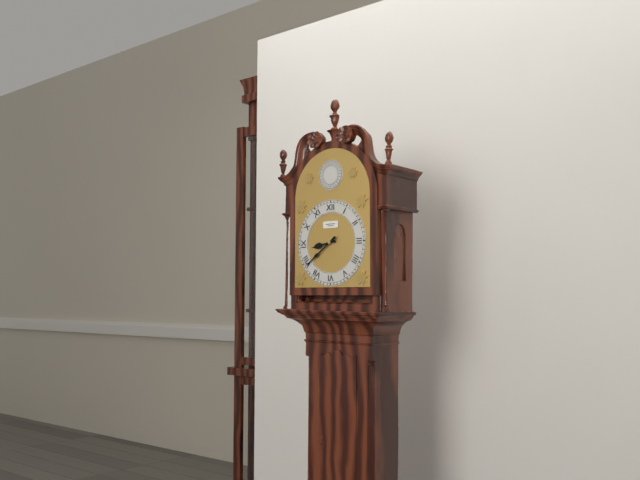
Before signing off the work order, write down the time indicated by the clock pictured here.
8:39
